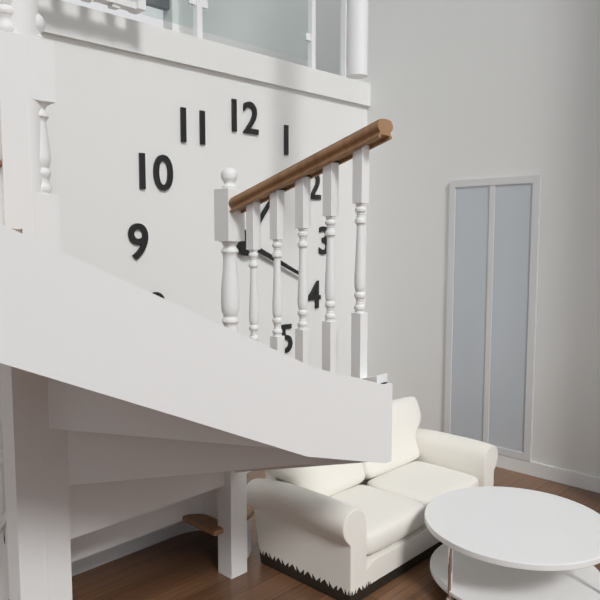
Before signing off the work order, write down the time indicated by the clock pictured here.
1:19
